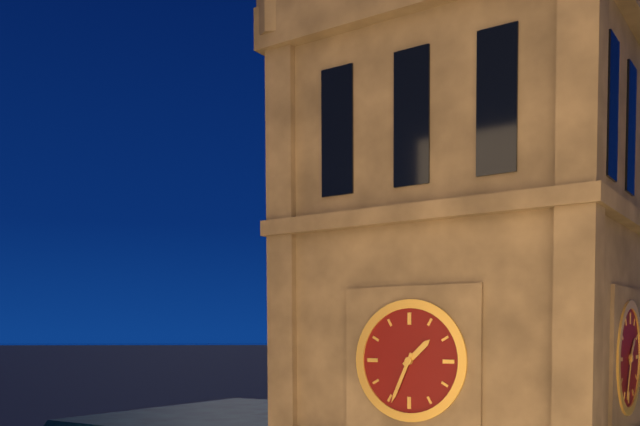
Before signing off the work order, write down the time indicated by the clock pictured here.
1:34
